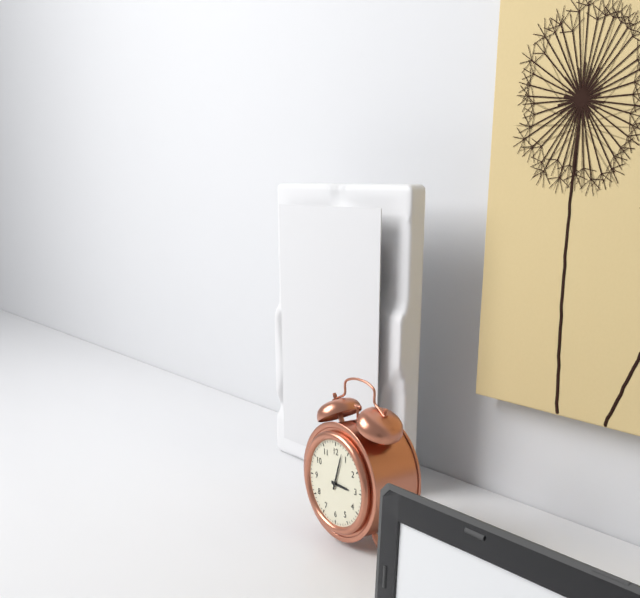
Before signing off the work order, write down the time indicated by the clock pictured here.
3:03
